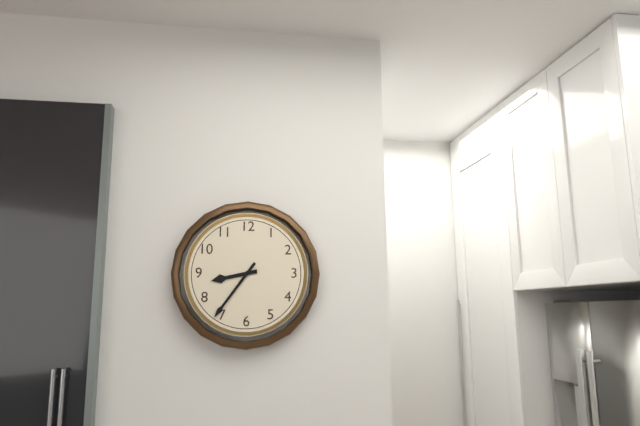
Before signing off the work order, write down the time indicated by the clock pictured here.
8:36
